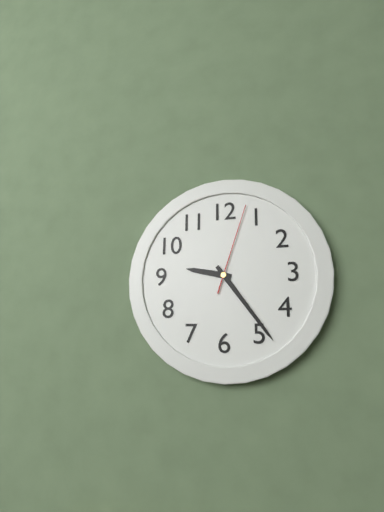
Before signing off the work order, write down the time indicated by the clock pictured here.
9:24:03
